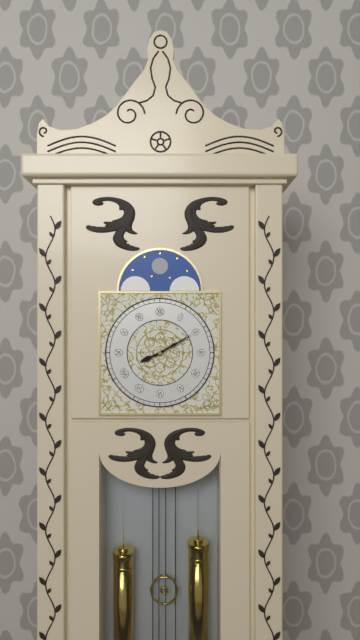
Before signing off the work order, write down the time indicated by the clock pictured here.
8:10
